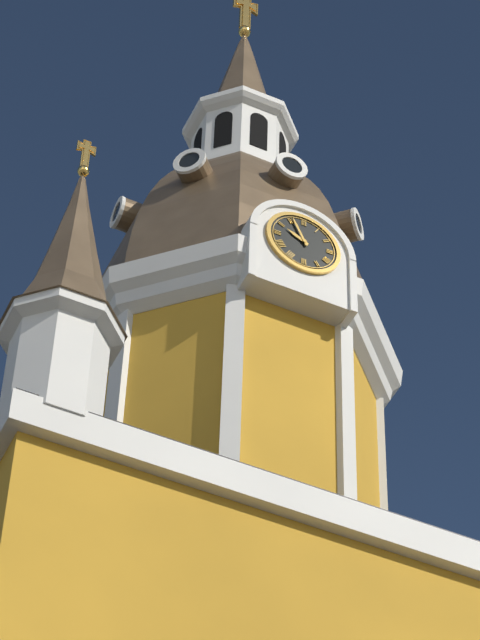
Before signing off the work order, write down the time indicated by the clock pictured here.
9:56
